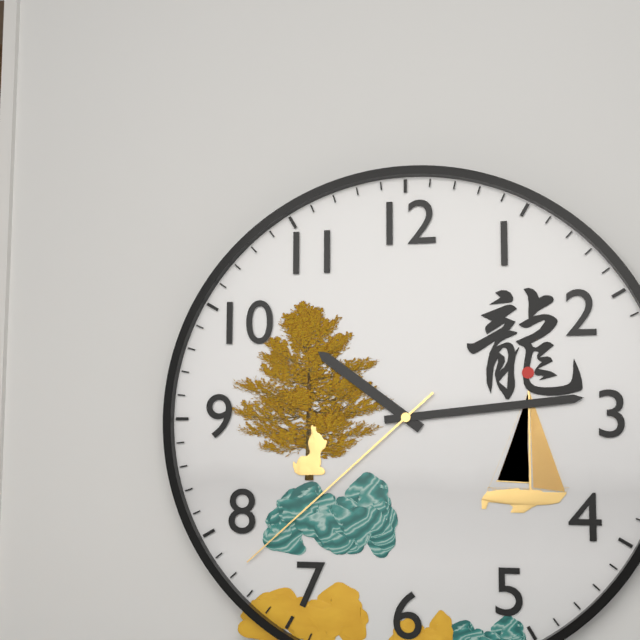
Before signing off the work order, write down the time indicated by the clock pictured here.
10:14:38
